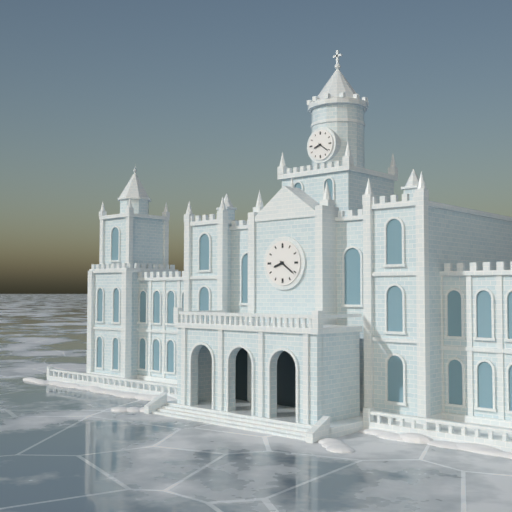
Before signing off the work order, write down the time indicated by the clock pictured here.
8:21
